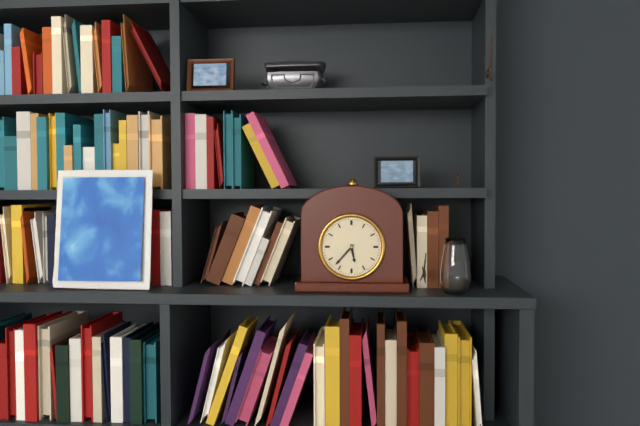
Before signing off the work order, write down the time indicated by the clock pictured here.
5:37
